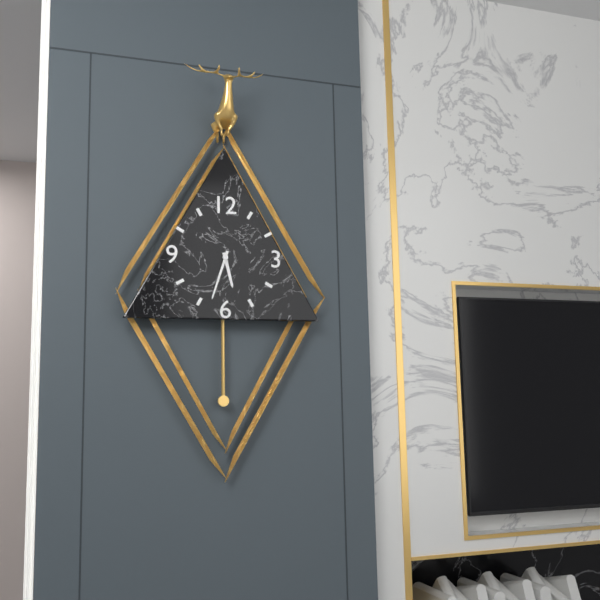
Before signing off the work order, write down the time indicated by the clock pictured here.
5:33
